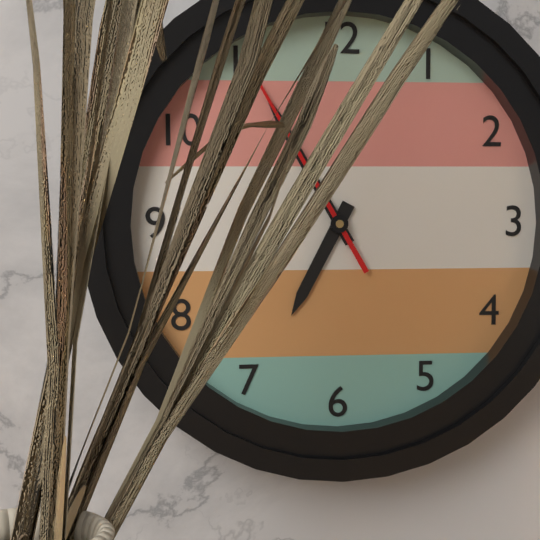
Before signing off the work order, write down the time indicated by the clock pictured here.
6:55:55
